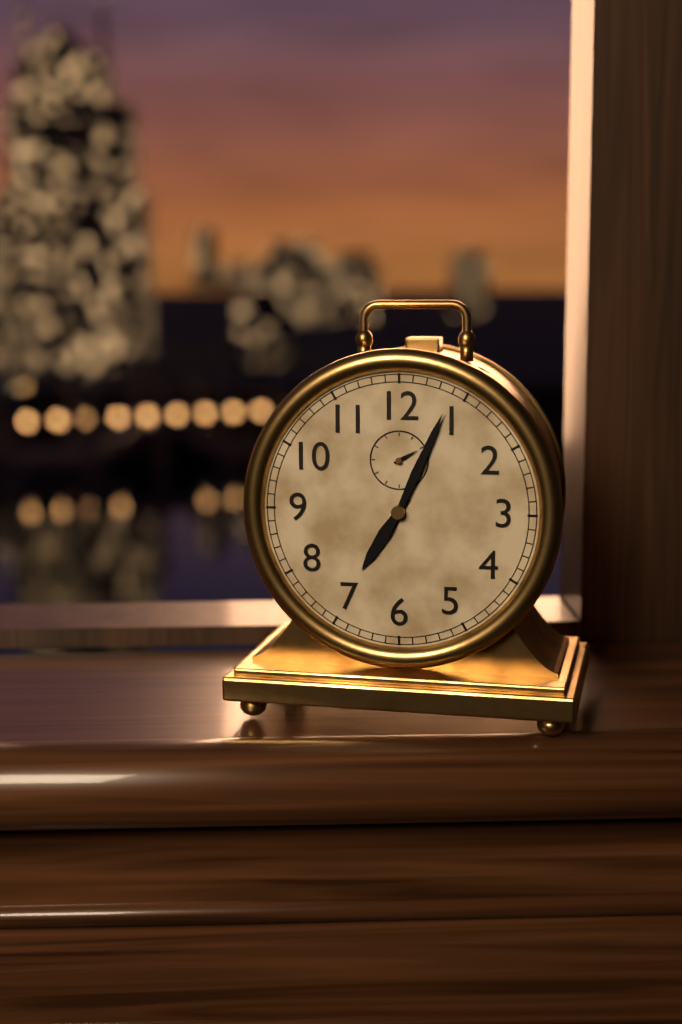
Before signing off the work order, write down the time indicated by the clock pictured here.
7:04
